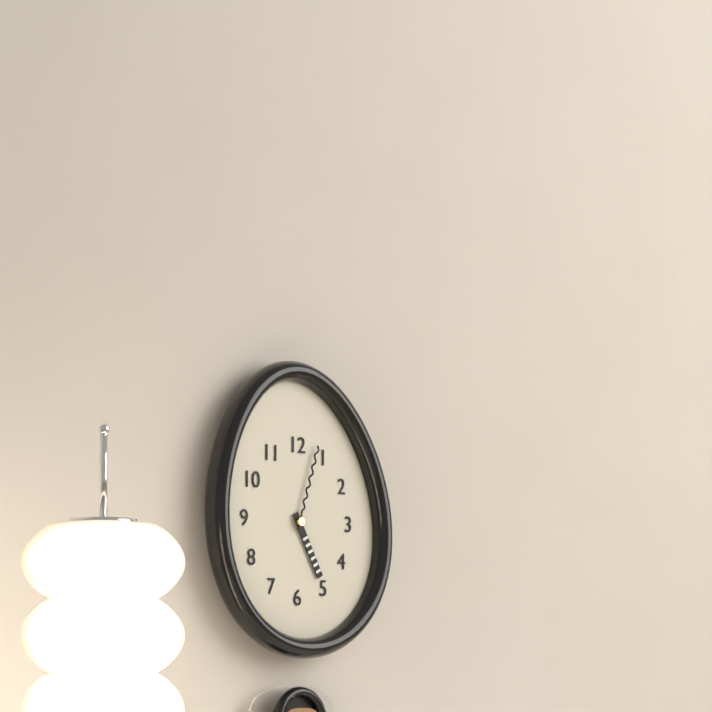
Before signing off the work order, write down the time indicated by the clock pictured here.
5:03
